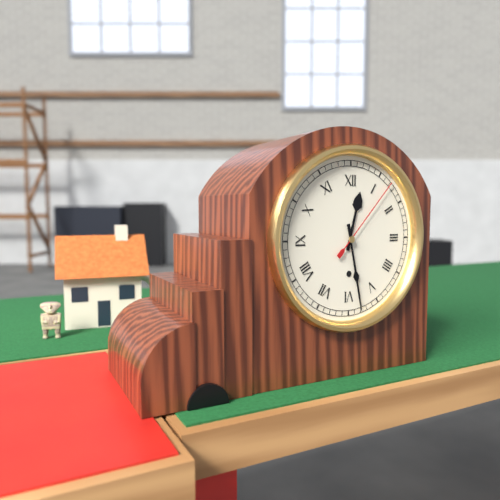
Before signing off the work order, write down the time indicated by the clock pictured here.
12:28:07
